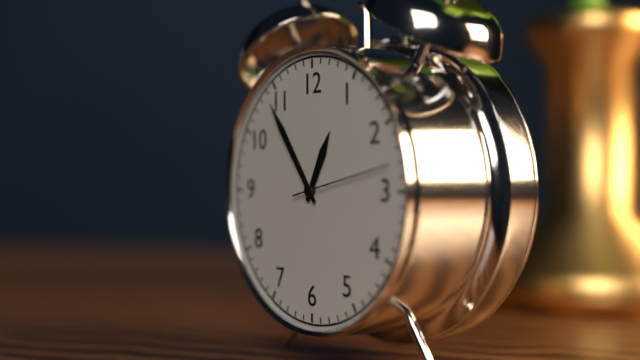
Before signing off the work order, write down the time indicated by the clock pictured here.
12:54:13
